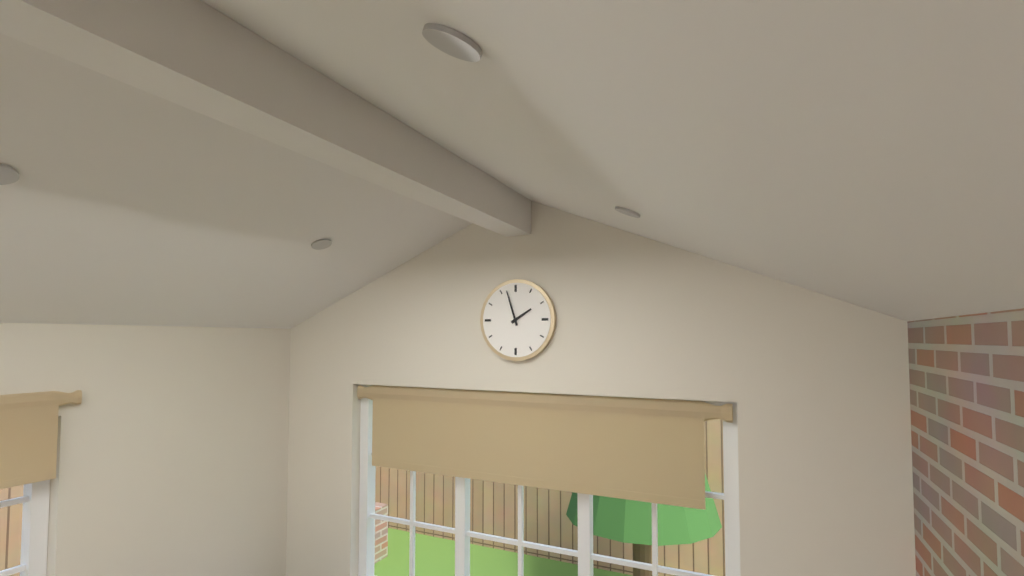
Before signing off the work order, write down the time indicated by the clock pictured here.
1:57
